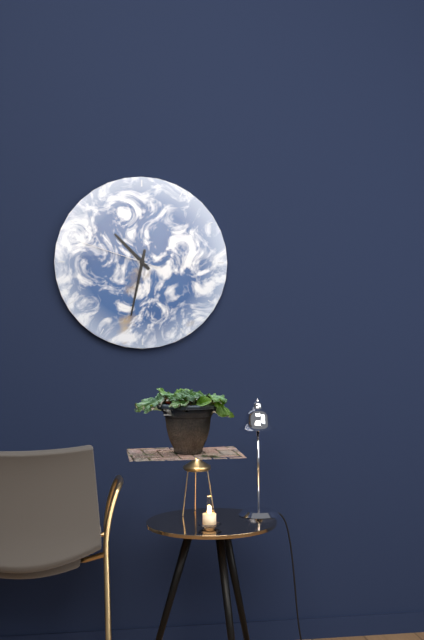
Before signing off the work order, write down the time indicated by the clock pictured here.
10:32:48
